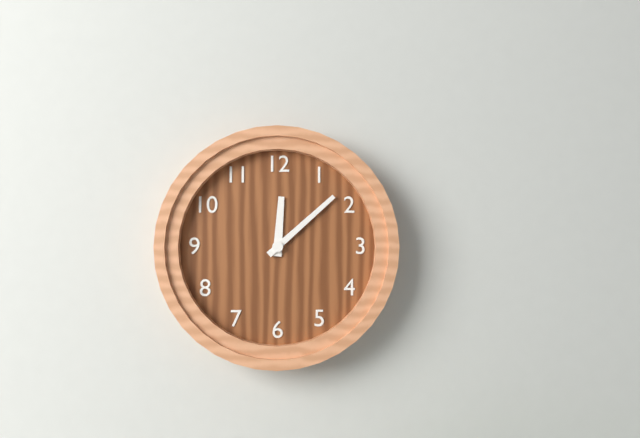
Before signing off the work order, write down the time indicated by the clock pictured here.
12:08
